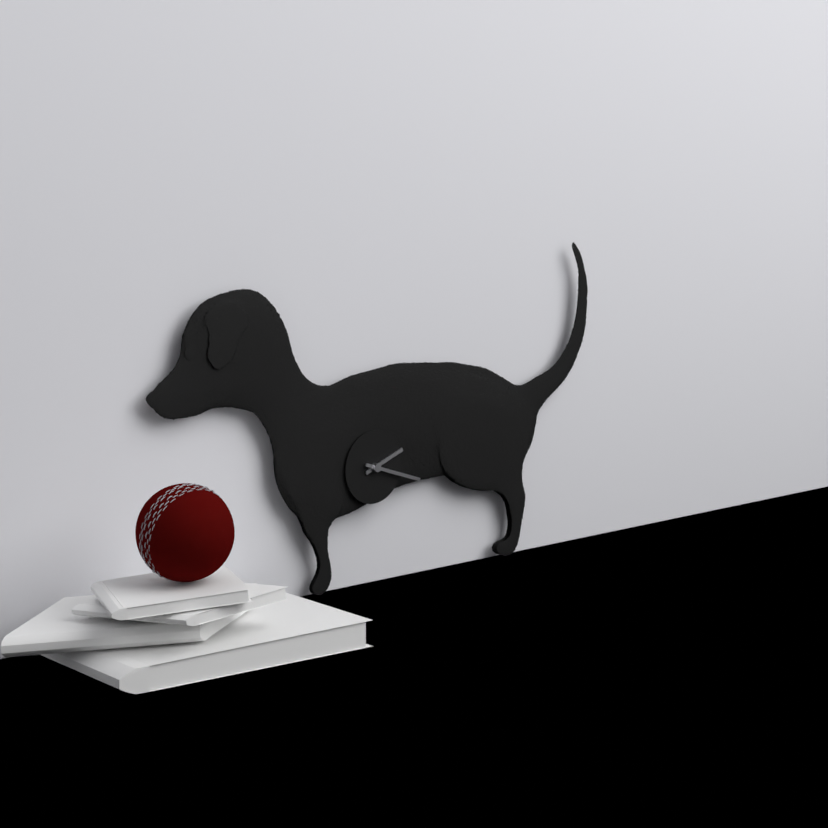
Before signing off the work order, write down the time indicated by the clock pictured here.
2:18
